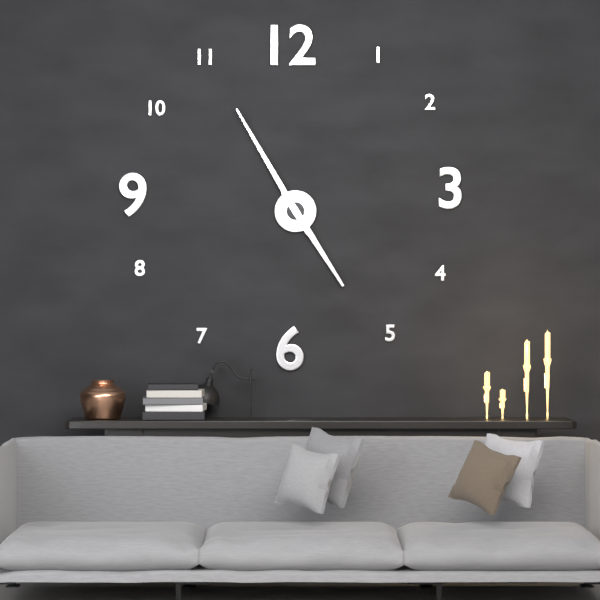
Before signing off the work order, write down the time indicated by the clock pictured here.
4:55
